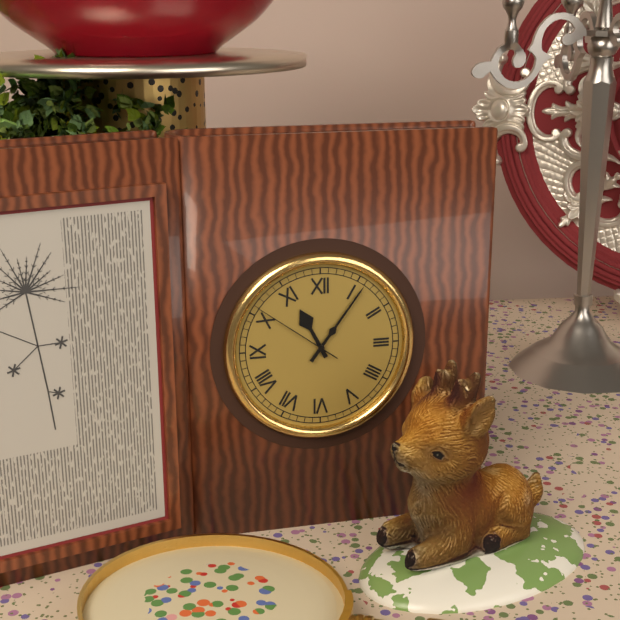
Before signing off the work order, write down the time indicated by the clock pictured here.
11:06:51
